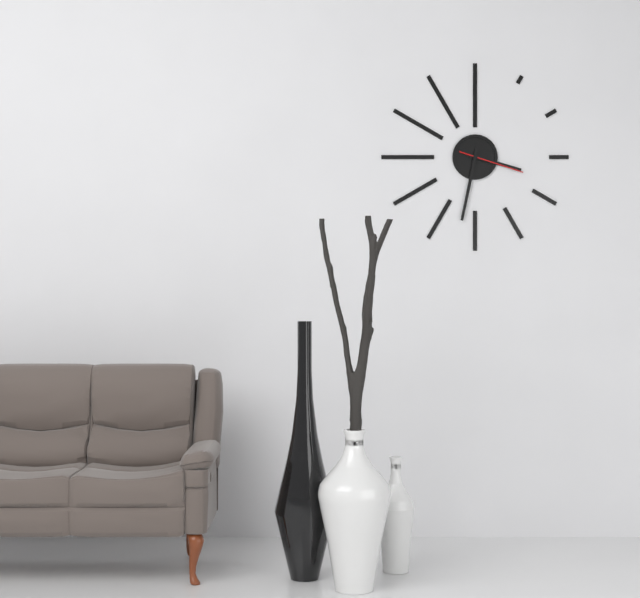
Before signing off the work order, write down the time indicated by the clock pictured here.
3:32:18
